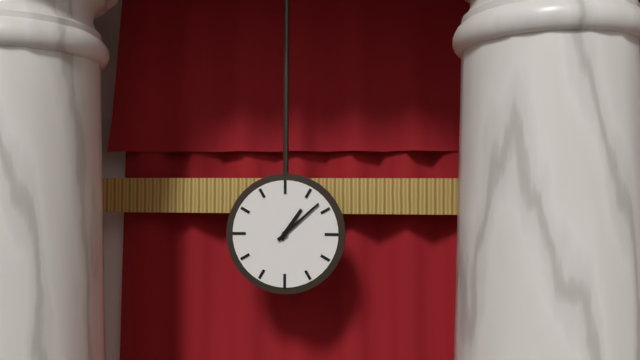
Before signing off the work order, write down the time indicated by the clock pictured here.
1:08
